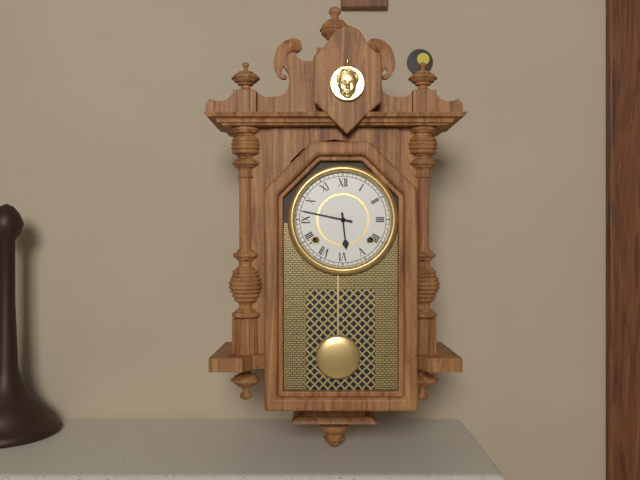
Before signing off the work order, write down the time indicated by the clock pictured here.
5:47
